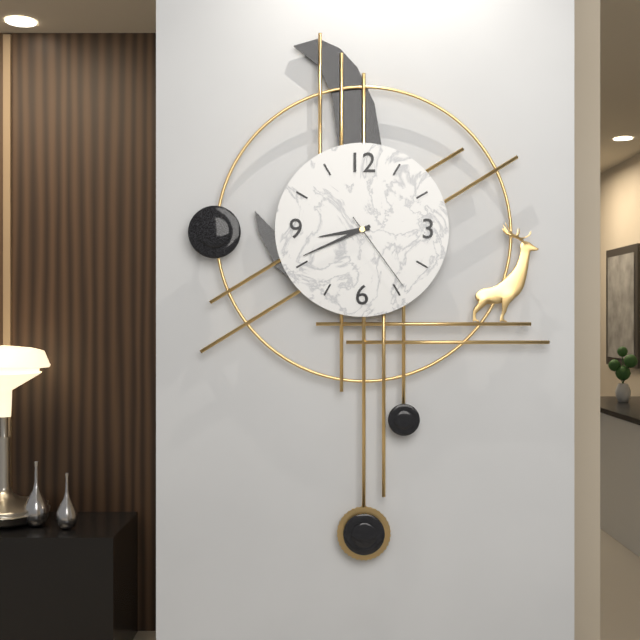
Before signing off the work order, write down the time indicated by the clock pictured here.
8:41:24
